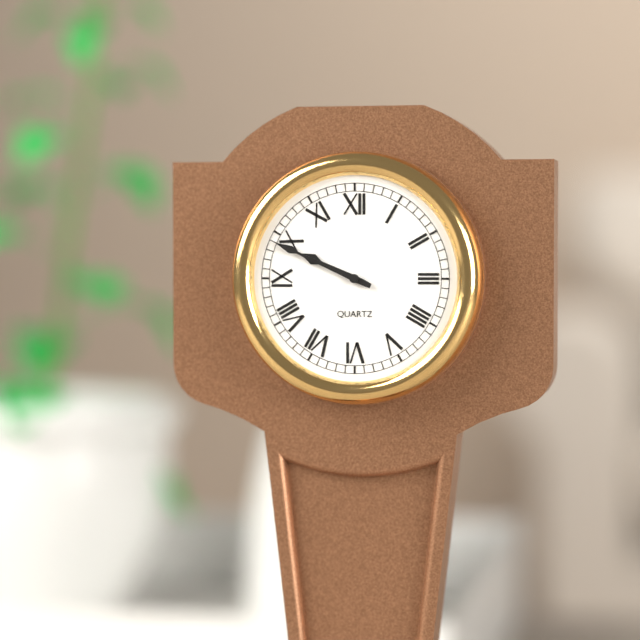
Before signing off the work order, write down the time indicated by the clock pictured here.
9:49
